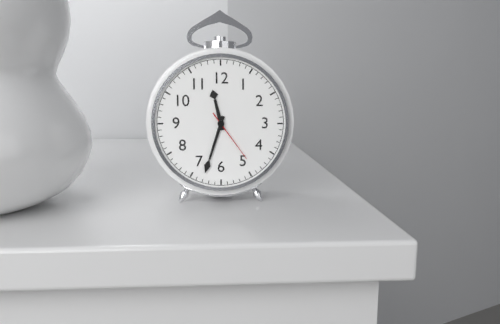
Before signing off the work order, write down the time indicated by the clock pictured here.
11:33:24
